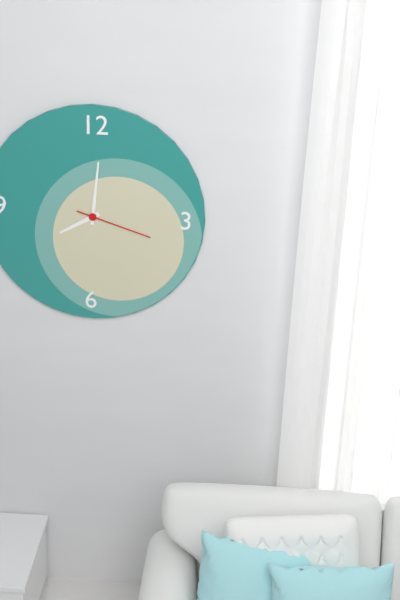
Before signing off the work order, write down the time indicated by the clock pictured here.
8:01:18
